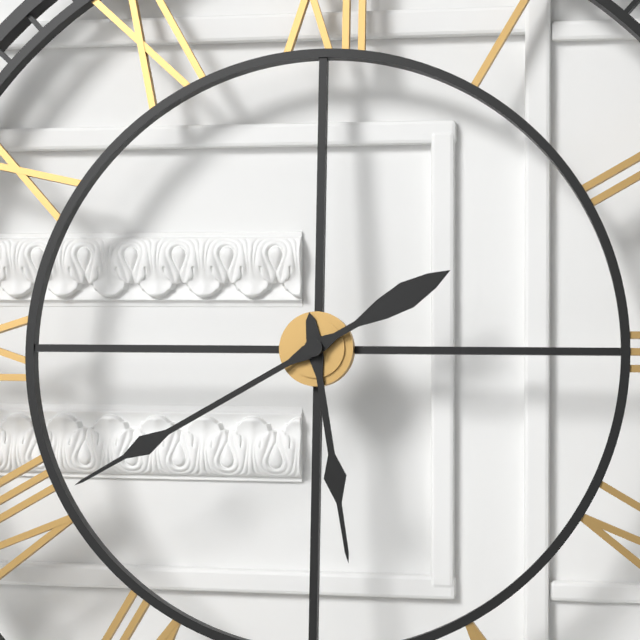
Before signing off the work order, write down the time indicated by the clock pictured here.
5:40
